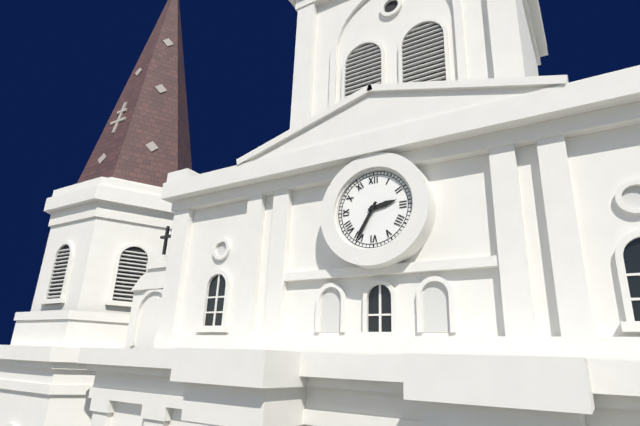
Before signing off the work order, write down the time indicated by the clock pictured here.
2:35
